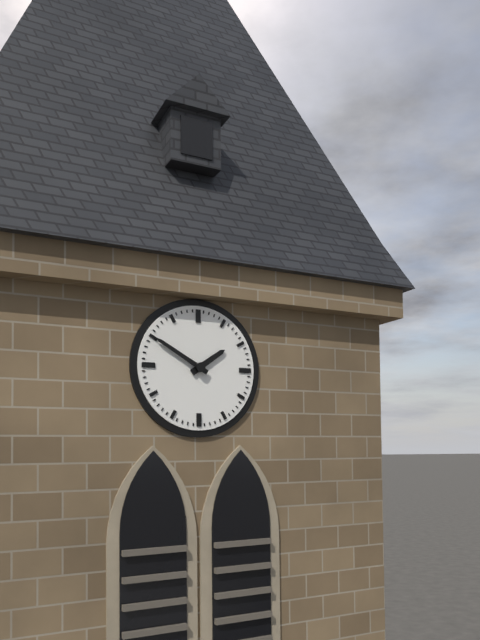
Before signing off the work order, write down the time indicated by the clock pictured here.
1:50
